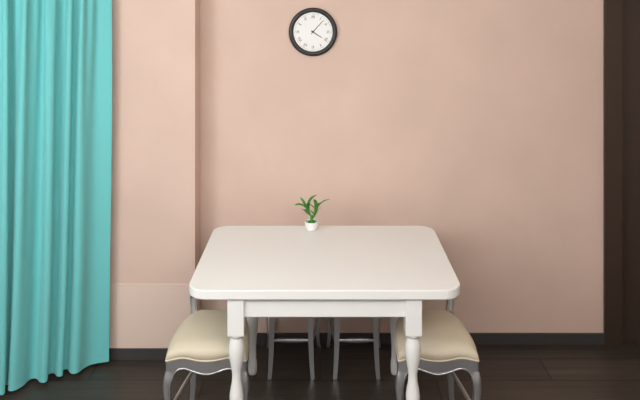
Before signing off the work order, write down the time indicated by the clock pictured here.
4:07
